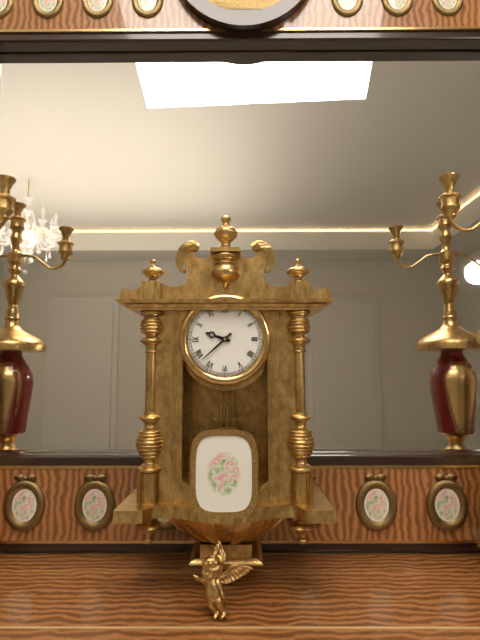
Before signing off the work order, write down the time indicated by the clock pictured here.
9:38
